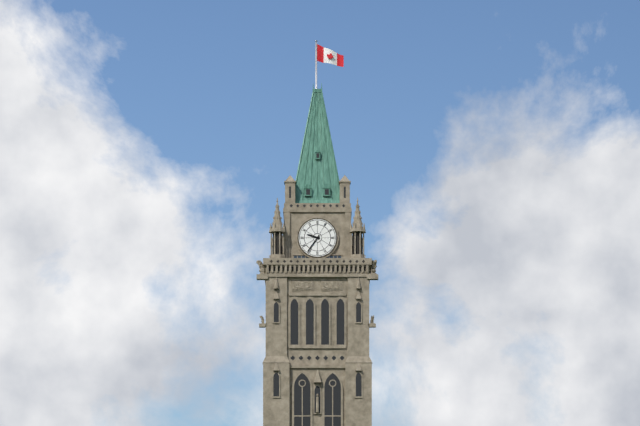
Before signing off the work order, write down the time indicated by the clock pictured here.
9:36
